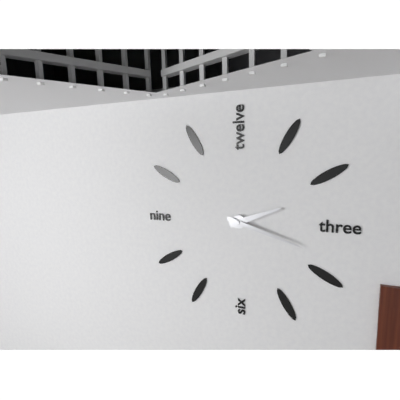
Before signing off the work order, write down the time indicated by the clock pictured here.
2:18
